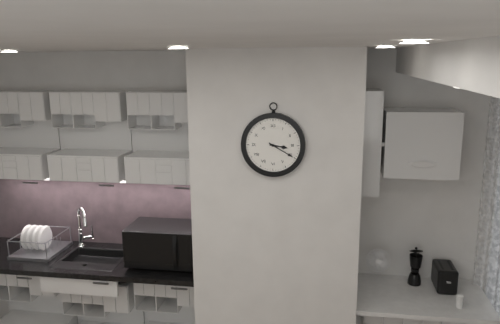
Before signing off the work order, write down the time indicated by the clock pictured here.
3:20
